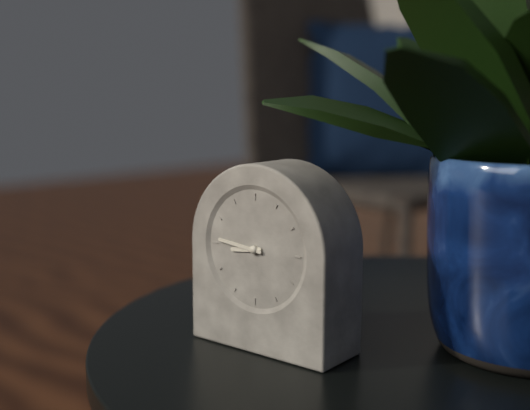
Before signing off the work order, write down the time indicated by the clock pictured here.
8:46
